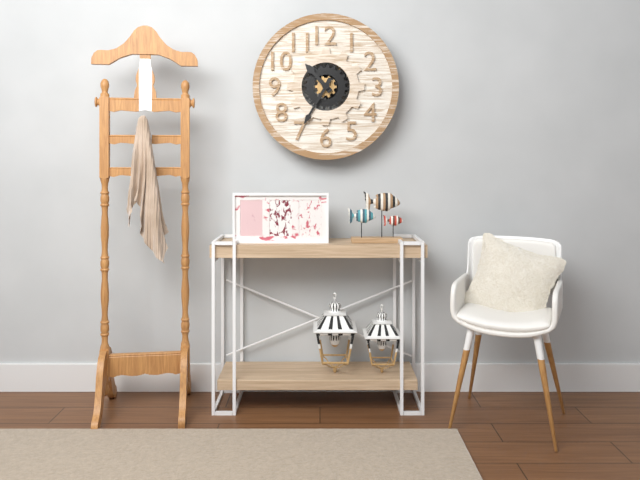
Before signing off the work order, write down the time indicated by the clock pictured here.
10:35
